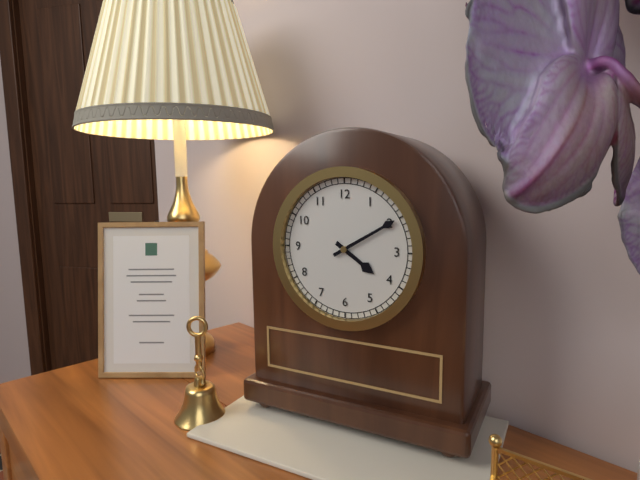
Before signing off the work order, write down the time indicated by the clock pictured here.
4:10
